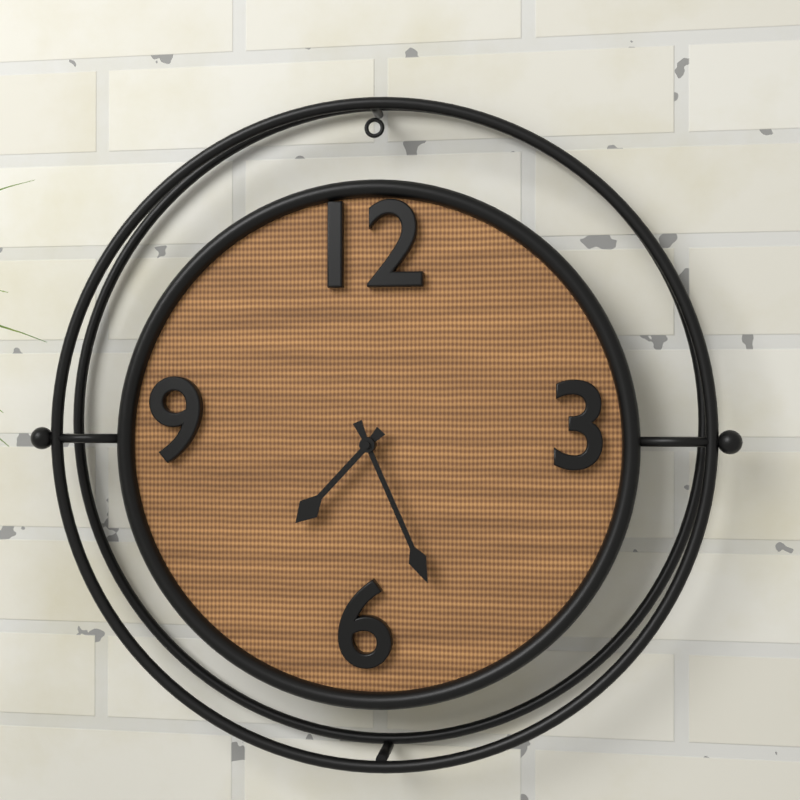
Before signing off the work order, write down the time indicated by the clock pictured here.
7:26
